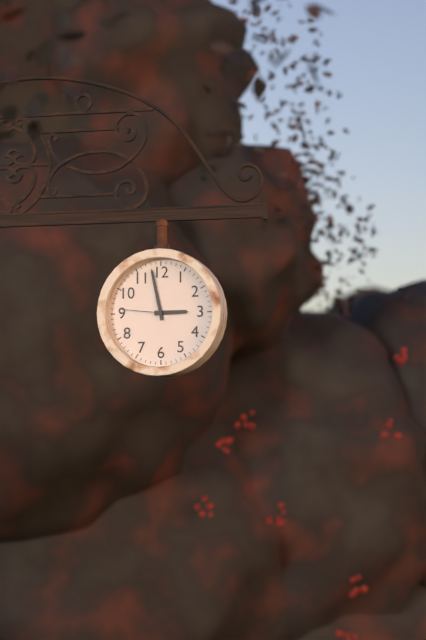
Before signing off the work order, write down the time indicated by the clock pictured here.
2:58:46
